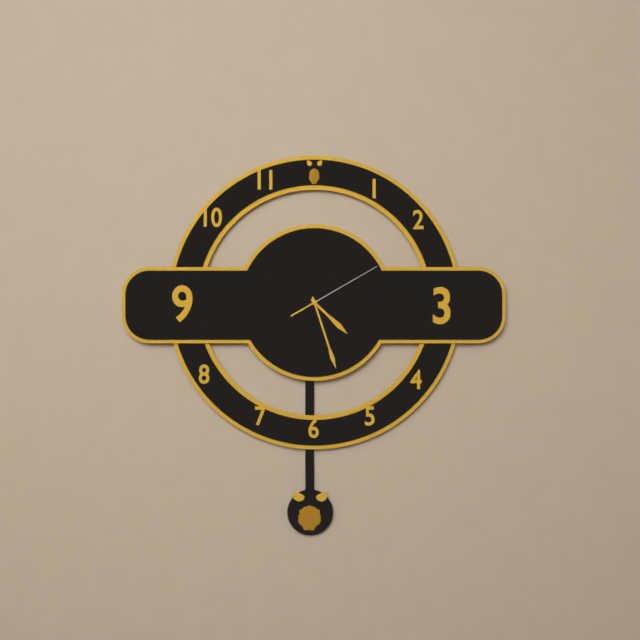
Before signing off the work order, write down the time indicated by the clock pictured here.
4:27:10
